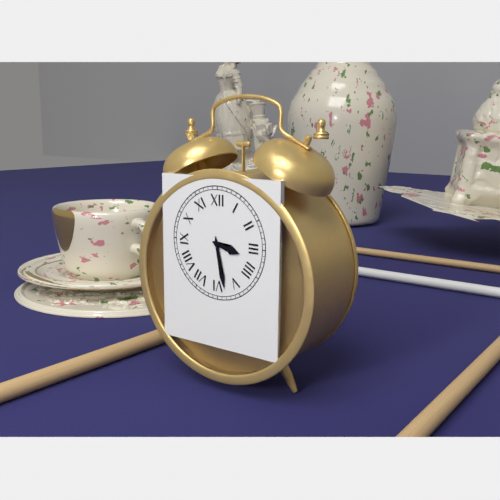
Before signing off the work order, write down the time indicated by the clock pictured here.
3:28
